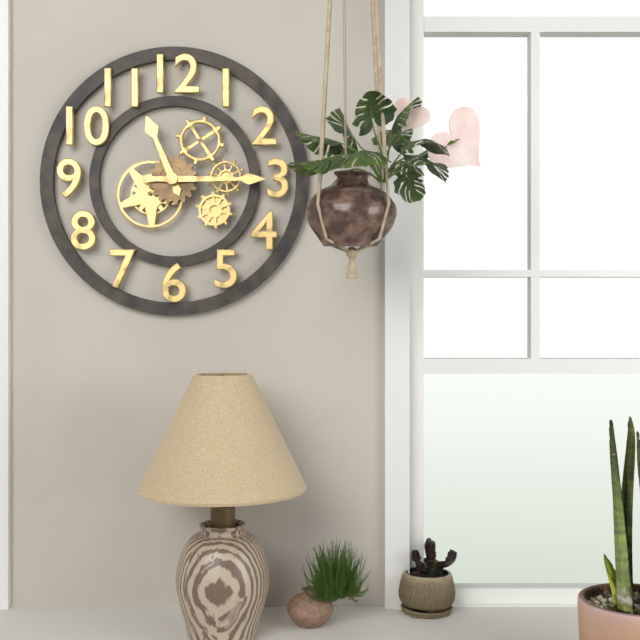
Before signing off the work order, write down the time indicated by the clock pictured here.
11:15
